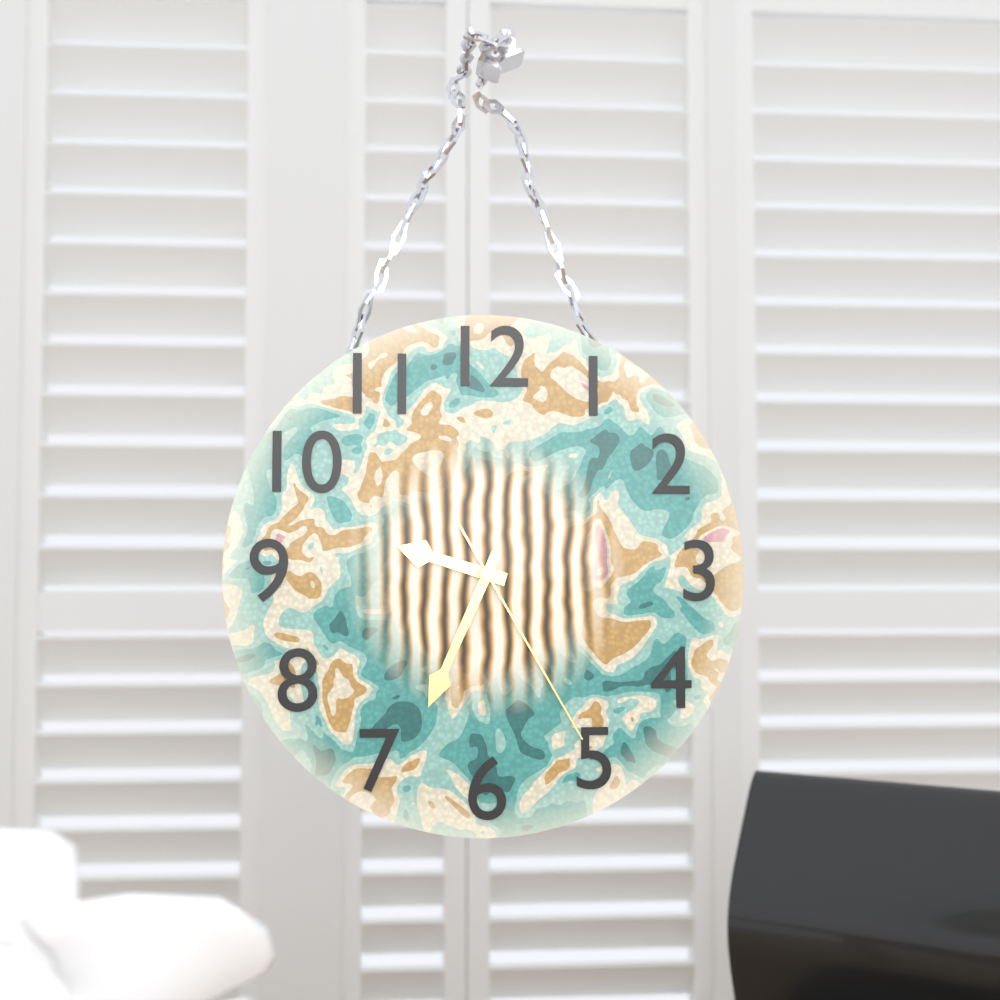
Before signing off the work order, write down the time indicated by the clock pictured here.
9:34:25
